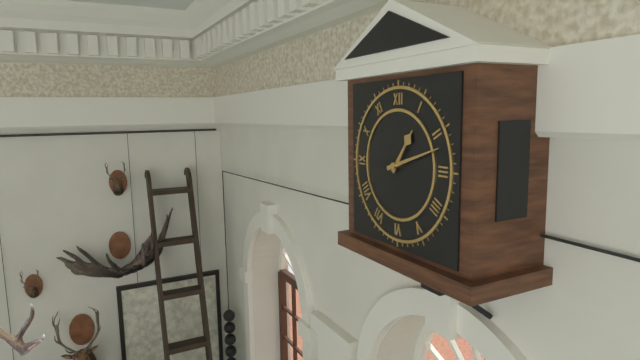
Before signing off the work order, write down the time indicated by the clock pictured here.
1:12
